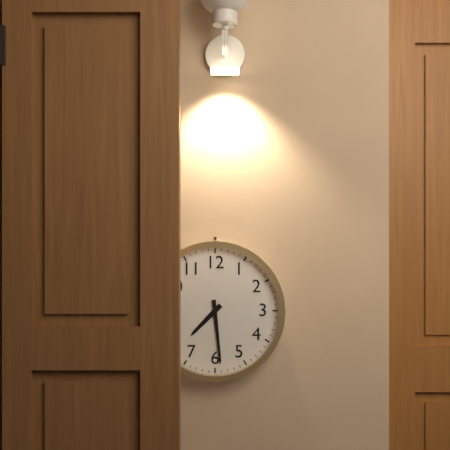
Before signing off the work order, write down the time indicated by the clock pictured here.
7:29
